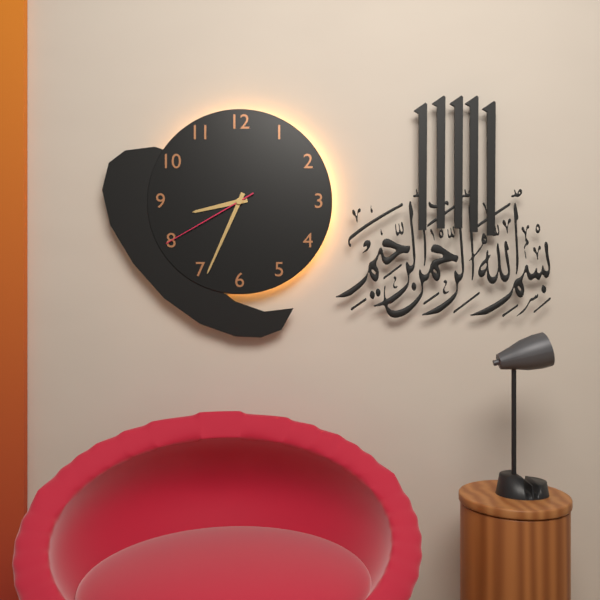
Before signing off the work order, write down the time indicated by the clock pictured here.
8:34:40
